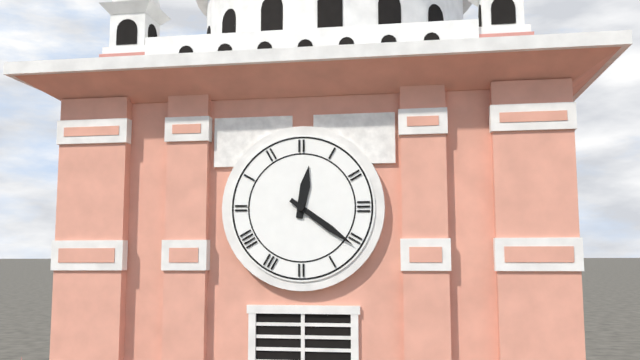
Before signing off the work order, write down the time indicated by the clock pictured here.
12:21
